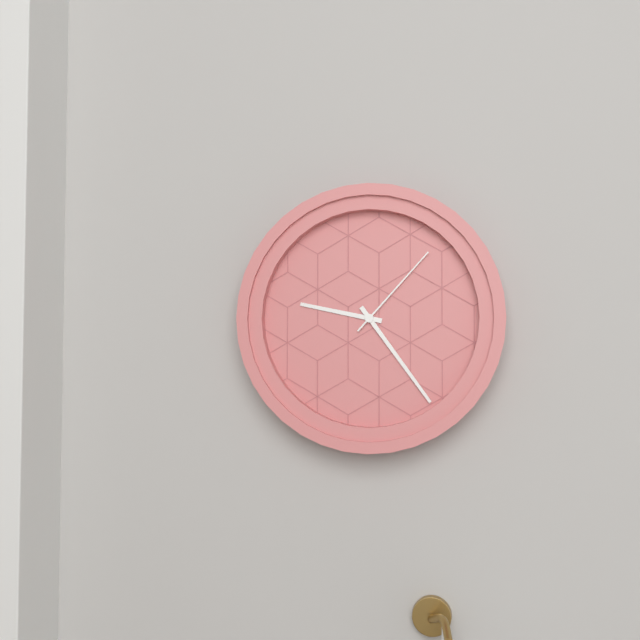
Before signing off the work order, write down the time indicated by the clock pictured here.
9:24:07
